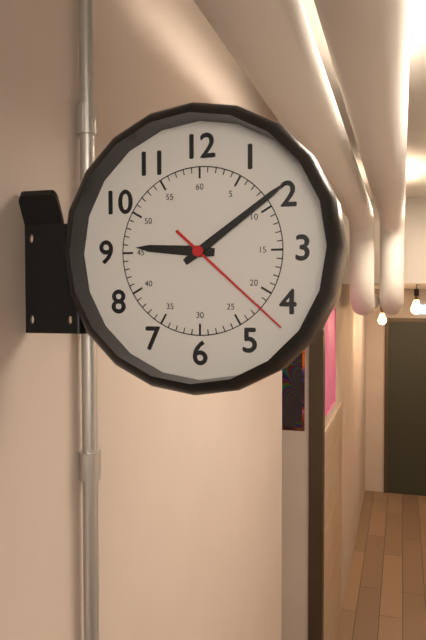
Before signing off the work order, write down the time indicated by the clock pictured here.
9:09:22
